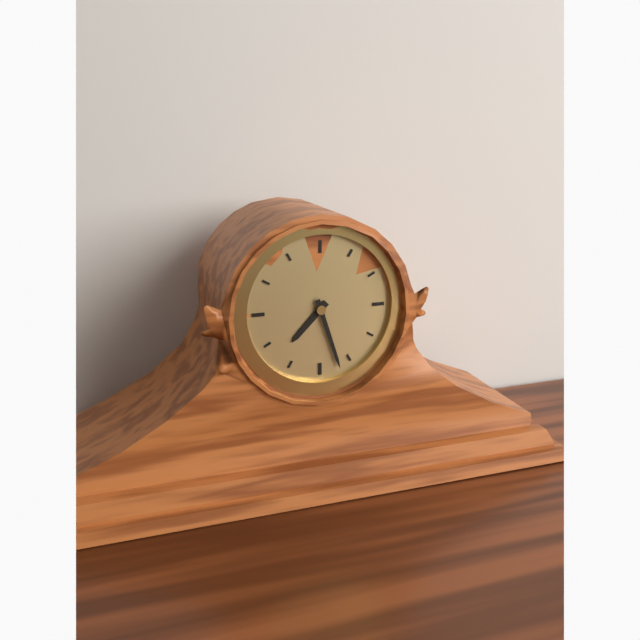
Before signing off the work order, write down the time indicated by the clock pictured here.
7:27
